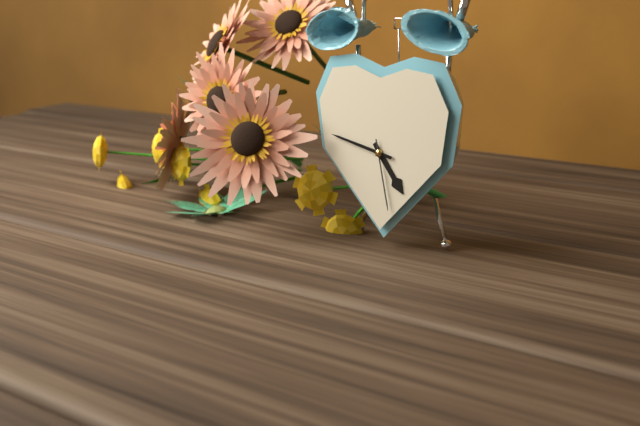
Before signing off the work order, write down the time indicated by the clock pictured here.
4:47:28
